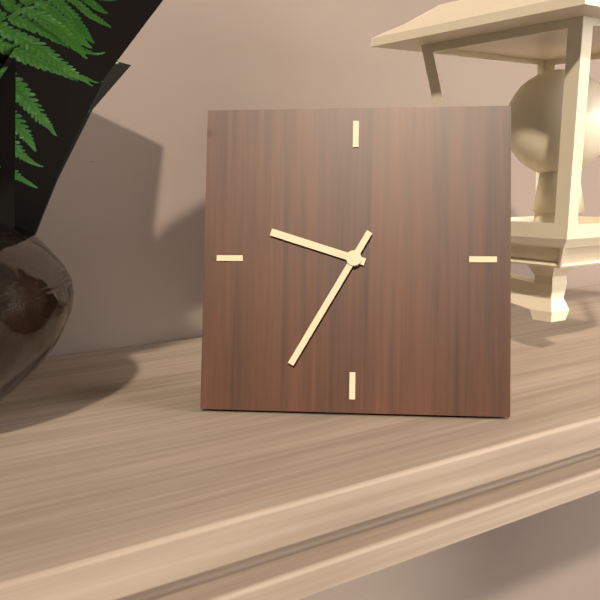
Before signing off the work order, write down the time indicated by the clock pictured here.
9:35
